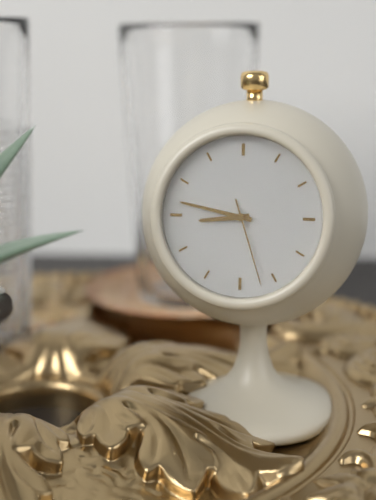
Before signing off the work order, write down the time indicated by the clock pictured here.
8:47:27
